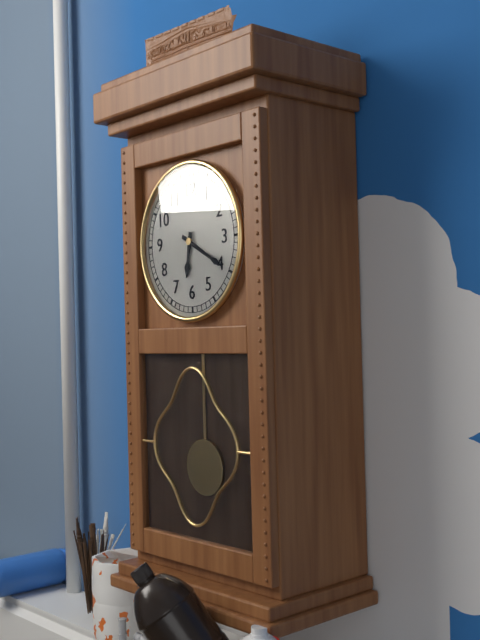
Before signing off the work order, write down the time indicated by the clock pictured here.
6:20
